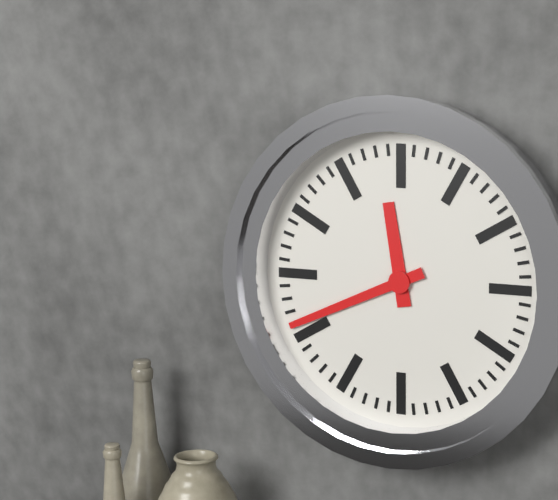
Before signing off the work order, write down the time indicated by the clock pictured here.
11:41
